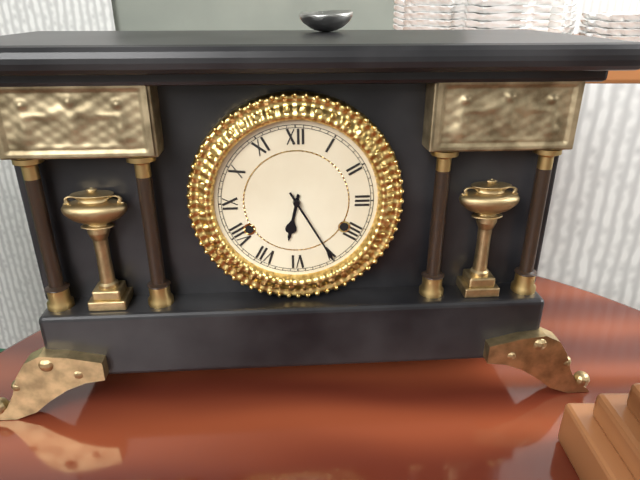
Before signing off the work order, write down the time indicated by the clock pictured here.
6:25
